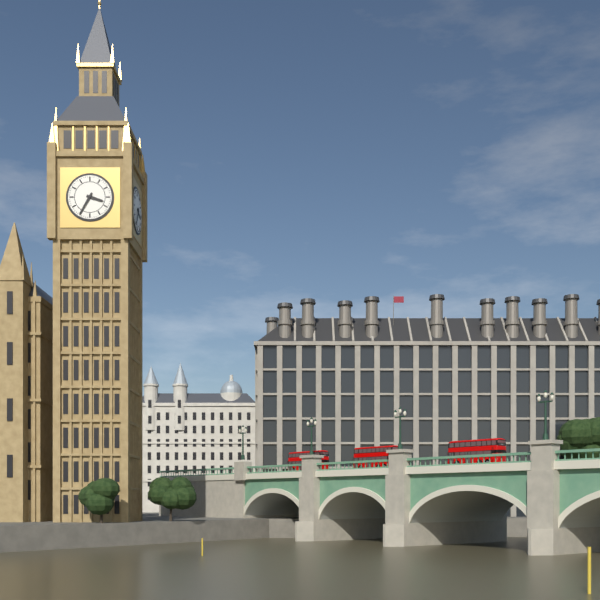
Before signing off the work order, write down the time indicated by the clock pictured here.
3:35
